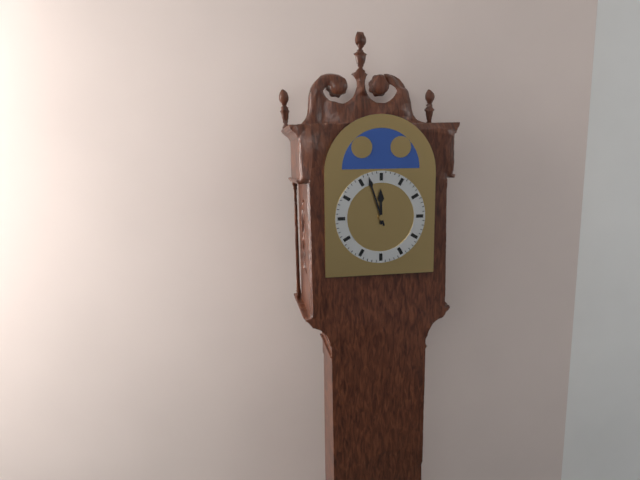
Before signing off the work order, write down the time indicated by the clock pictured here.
11:57
